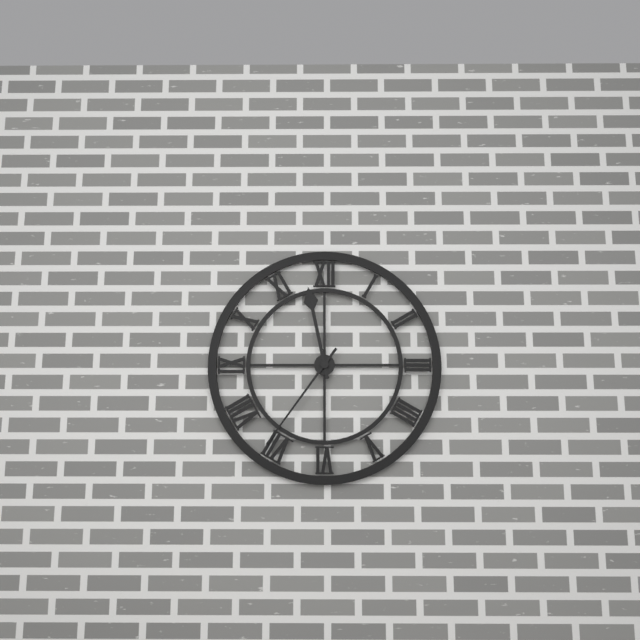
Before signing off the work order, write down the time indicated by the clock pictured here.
11:36
